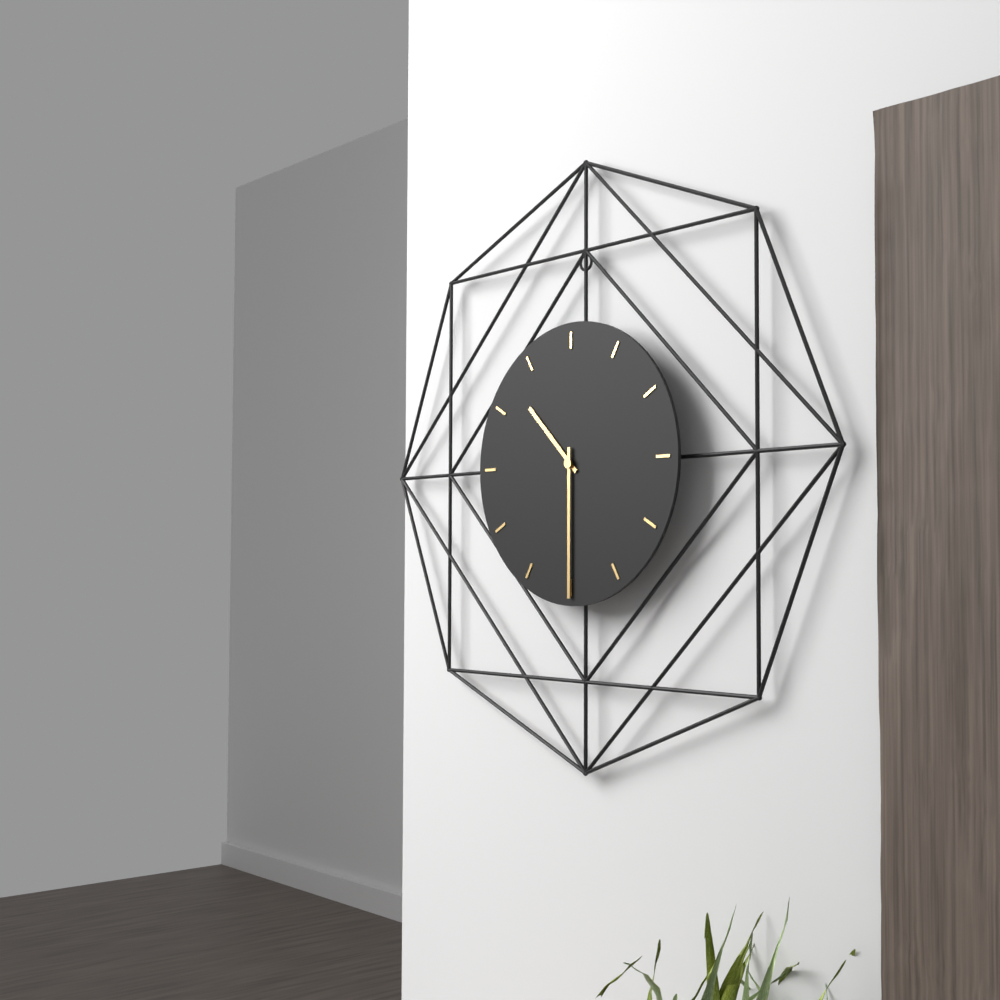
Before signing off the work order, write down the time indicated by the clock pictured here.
10:30
